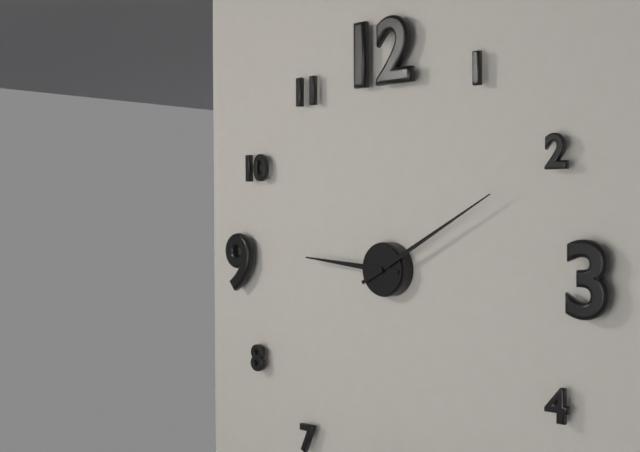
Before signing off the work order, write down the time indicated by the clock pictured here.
9:10
